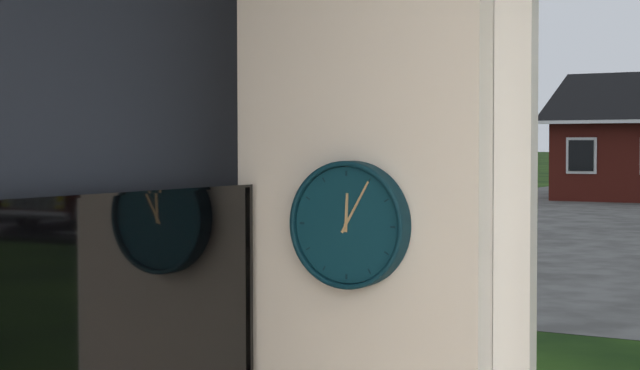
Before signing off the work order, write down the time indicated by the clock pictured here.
12:05
